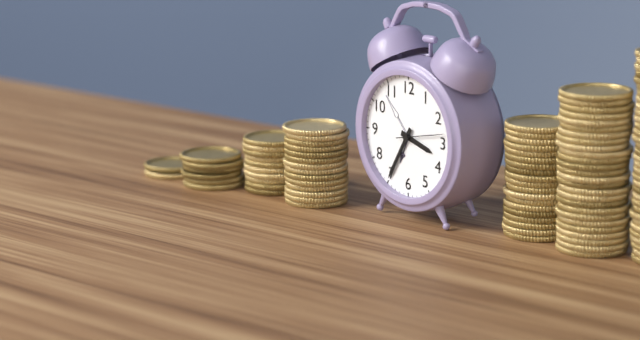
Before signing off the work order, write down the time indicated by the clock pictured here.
3:35
